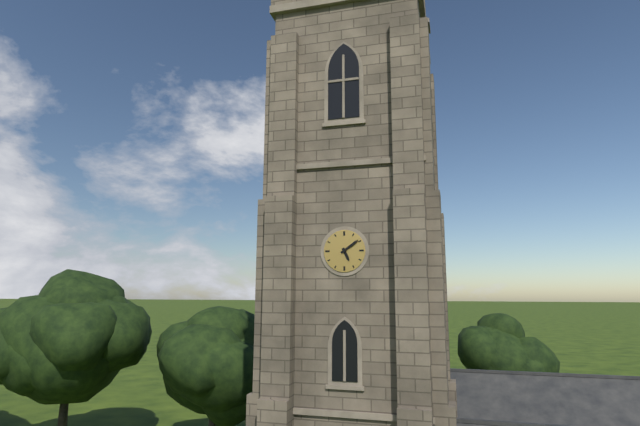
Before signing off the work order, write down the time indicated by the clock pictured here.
5:09
